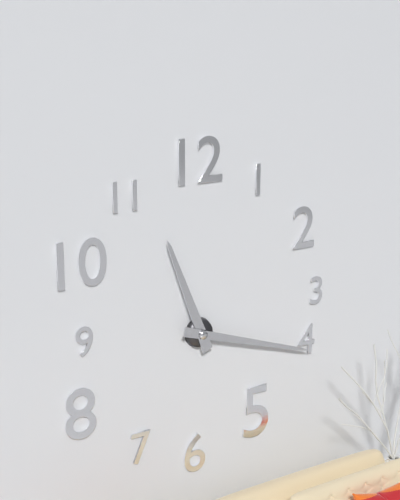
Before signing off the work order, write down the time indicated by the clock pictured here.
11:18
